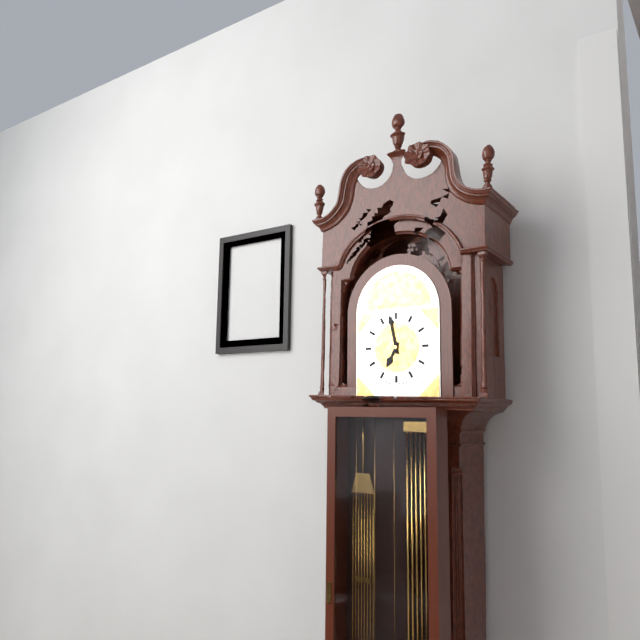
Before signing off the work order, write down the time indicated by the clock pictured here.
6:58
